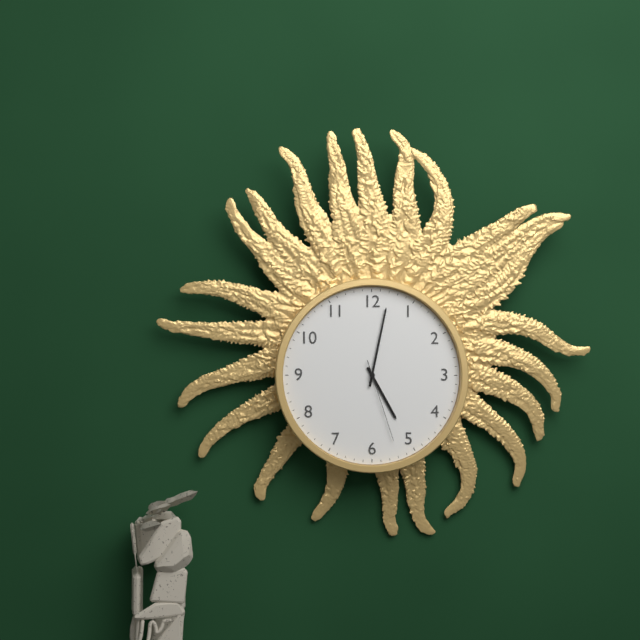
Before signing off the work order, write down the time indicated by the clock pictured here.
5:02:27
